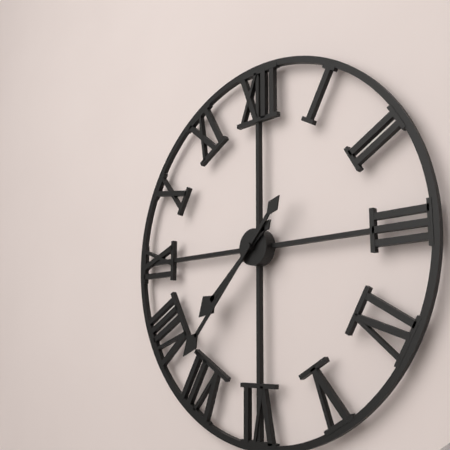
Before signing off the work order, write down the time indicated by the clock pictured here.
7:37
